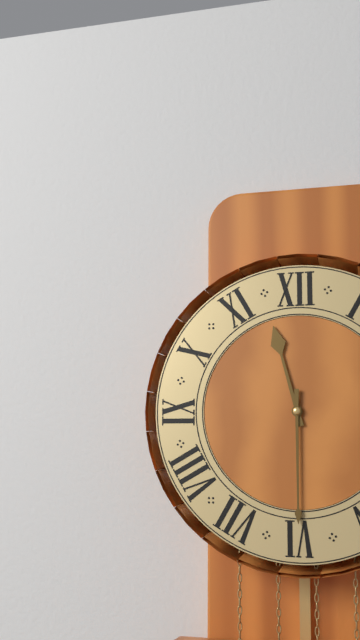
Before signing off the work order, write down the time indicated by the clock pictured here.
11:30
